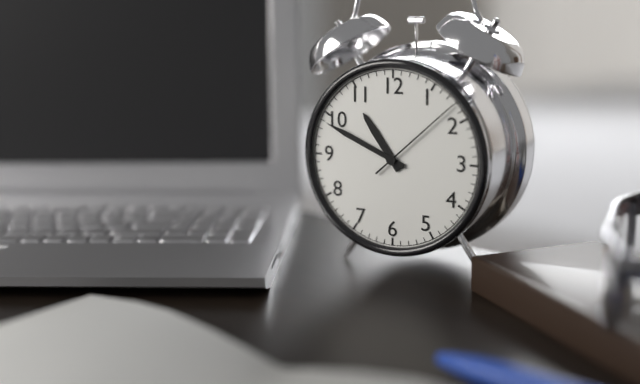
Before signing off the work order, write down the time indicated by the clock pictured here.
10:49:08
